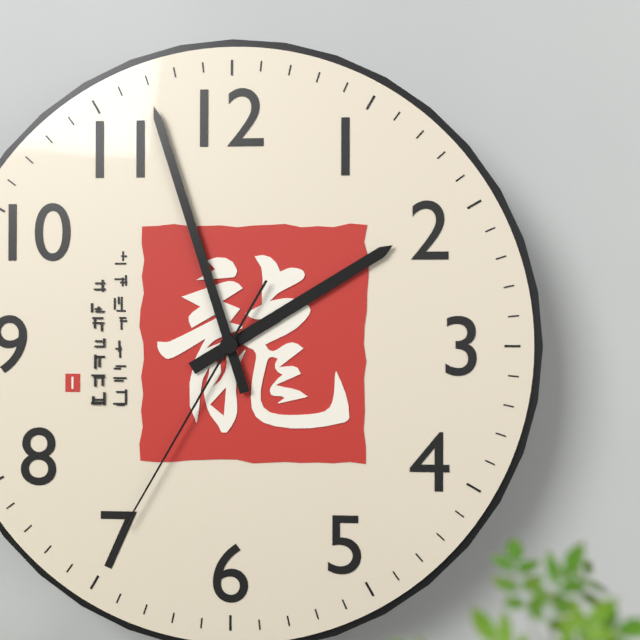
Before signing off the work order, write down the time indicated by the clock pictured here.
1:57:35
